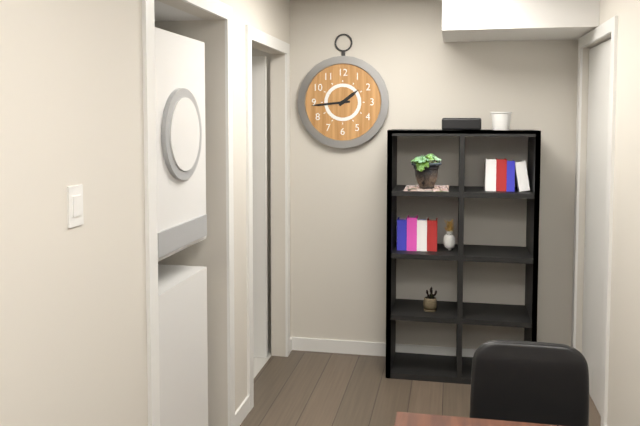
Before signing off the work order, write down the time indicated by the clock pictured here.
1:44
